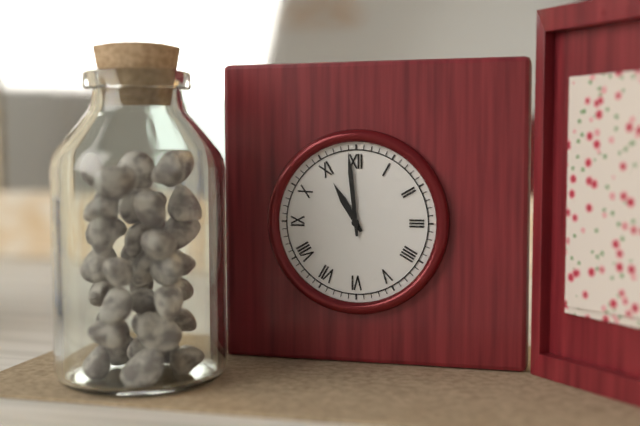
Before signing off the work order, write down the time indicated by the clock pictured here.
10:59
